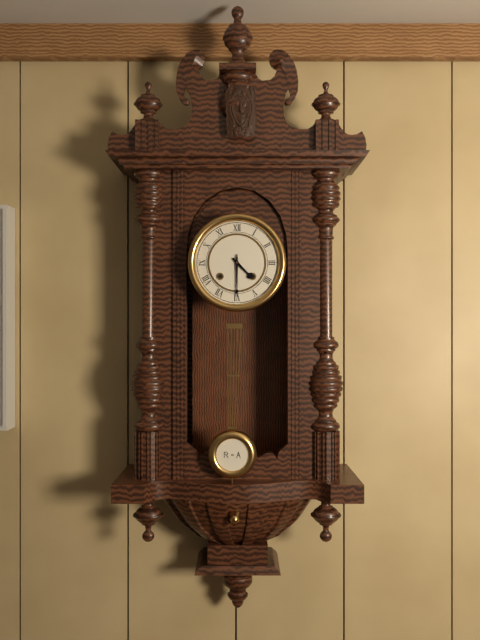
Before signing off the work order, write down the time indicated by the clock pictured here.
4:30
